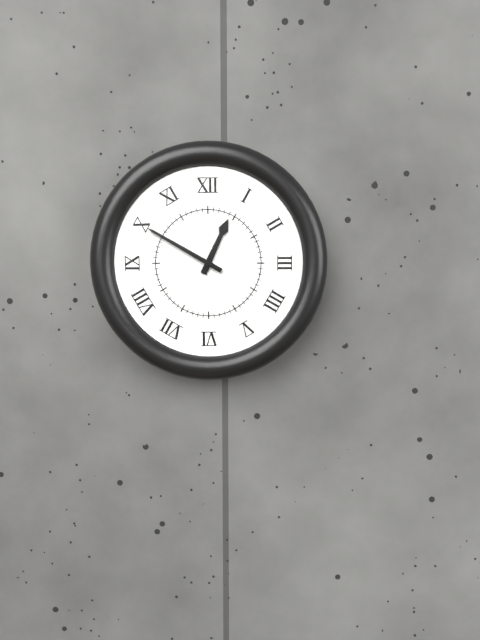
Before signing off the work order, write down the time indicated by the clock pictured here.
12:50
